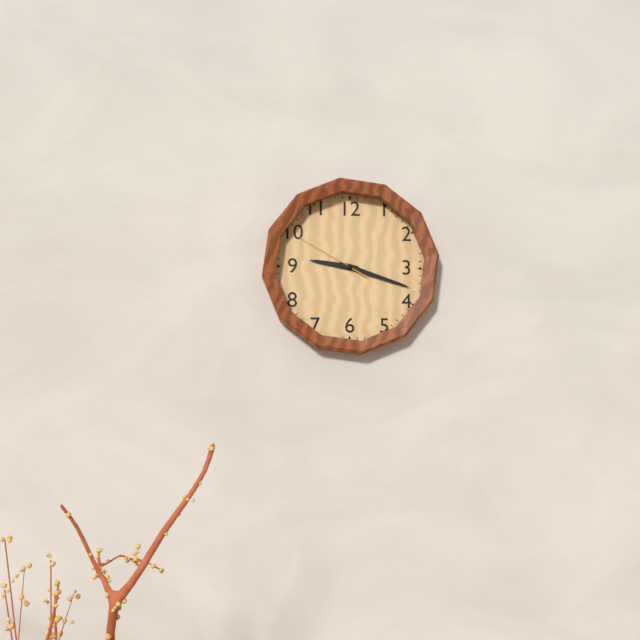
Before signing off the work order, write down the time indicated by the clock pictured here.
9:18:50
